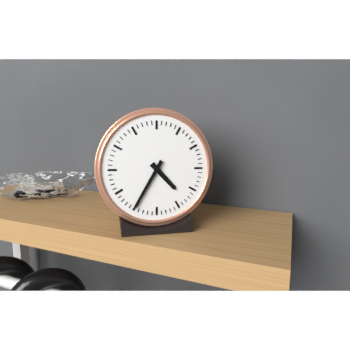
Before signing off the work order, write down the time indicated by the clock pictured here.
4:35
